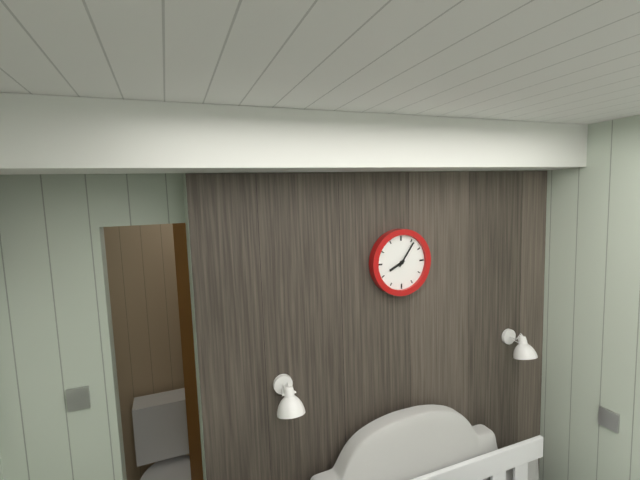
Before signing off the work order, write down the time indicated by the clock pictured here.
8:06
